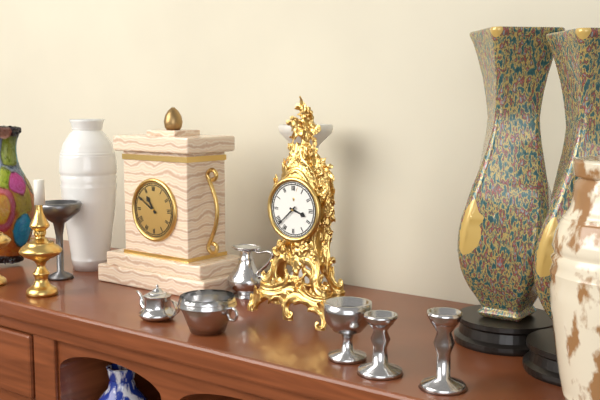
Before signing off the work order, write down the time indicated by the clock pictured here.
3:38
